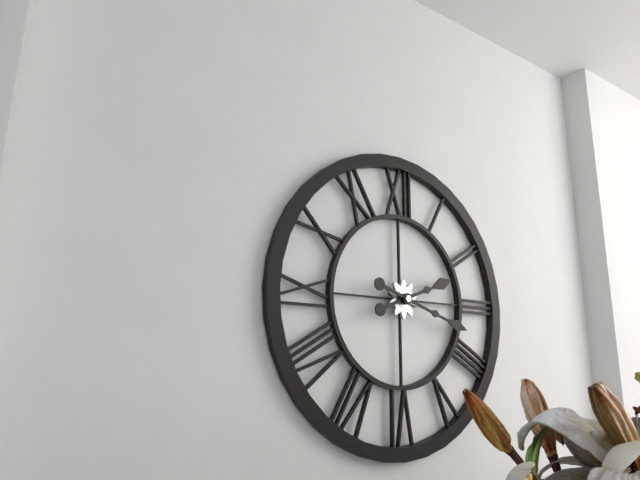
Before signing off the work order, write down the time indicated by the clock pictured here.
2:18
